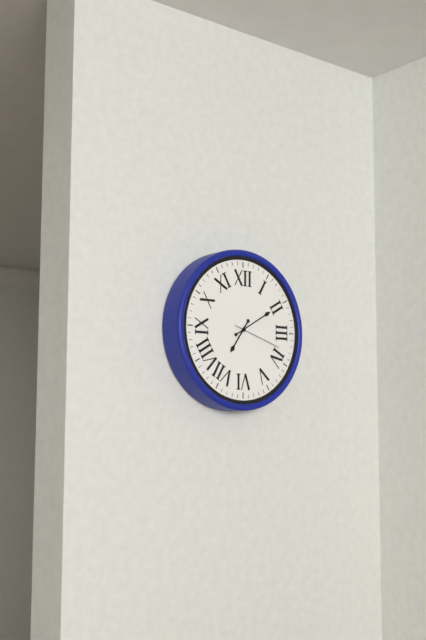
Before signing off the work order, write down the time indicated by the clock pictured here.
7:10:18
